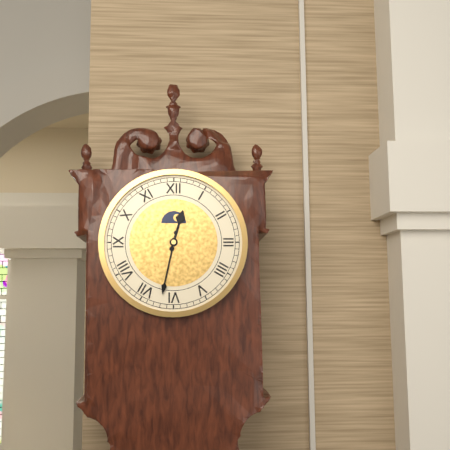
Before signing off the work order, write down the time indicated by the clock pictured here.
12:32
